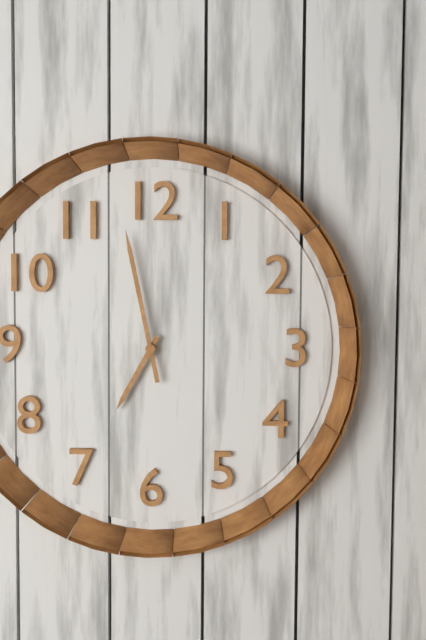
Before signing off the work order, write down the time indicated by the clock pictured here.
6:58
